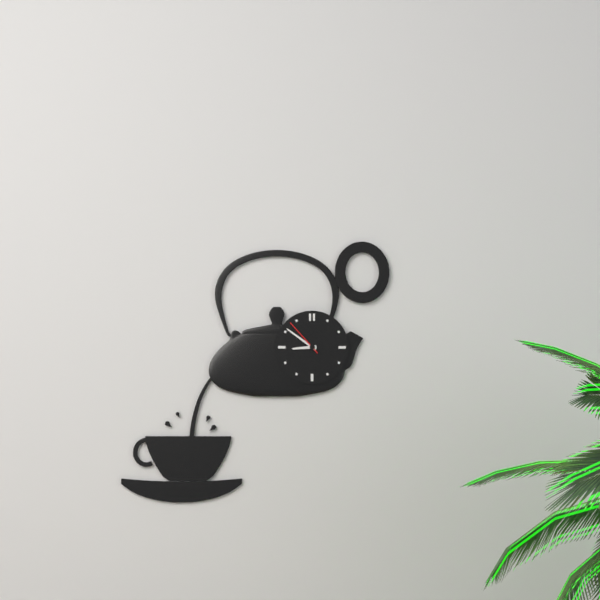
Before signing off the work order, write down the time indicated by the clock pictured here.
8:51
